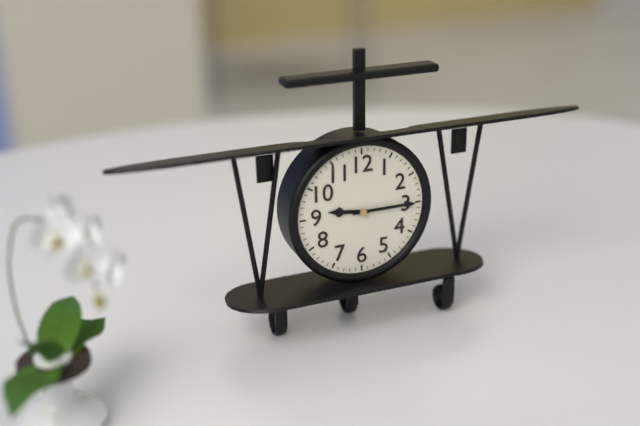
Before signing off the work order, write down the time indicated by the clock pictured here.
9:15
